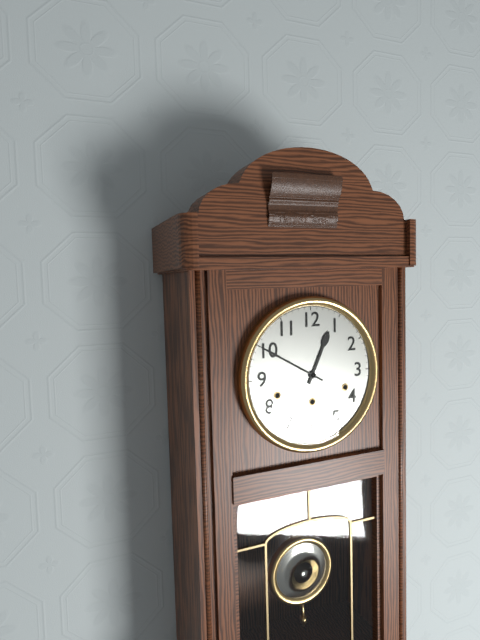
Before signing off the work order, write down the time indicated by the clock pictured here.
12:50
